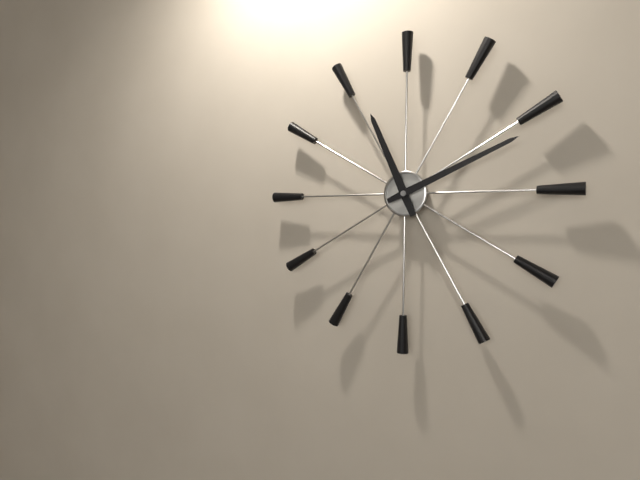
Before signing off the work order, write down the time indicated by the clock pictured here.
11:11
